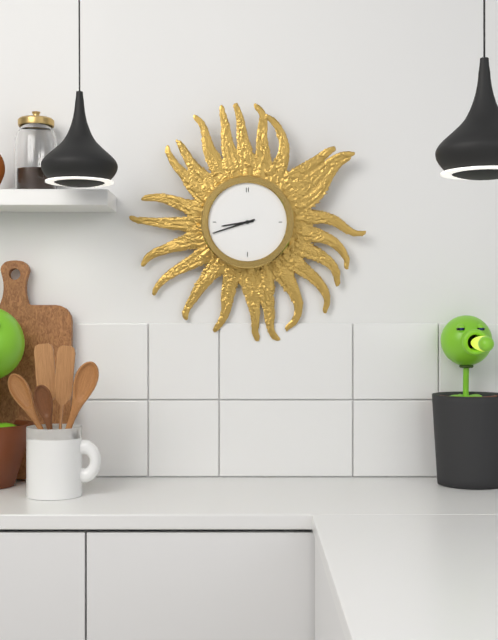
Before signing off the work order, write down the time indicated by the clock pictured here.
8:42
